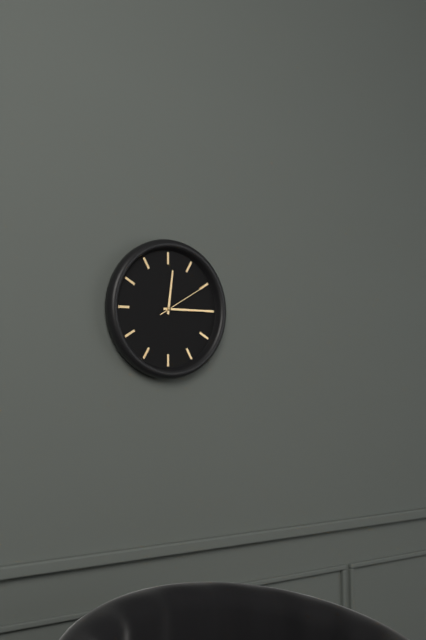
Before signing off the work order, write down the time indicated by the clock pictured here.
12:15:10
